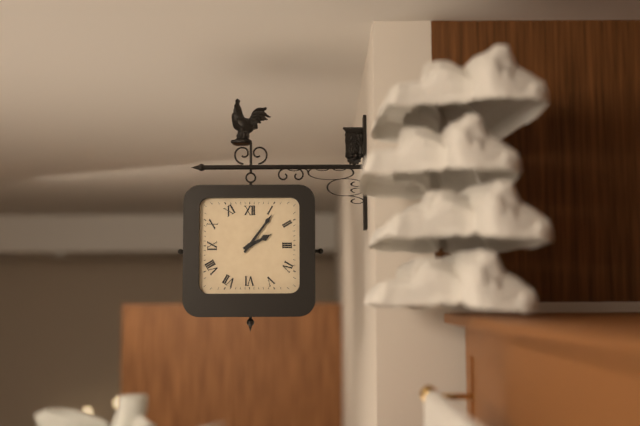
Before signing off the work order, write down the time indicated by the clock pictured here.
2:06
